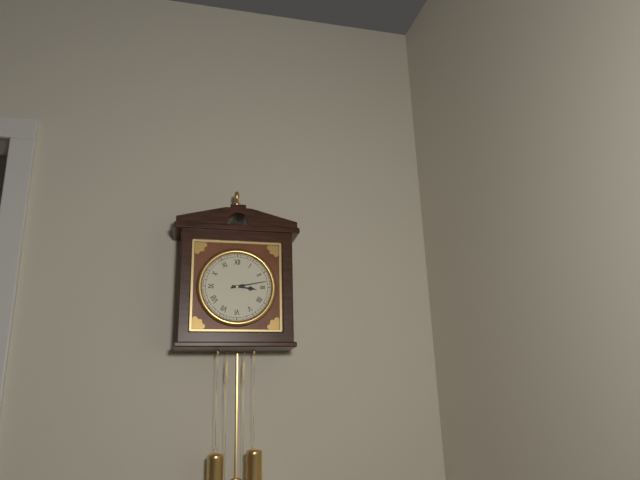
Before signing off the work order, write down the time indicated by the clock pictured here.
3:13
